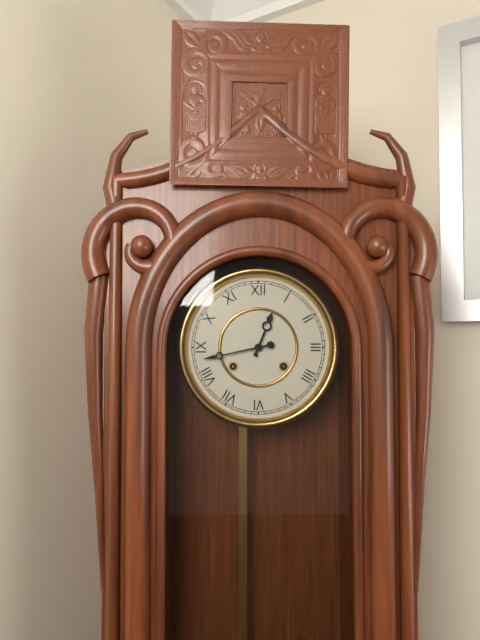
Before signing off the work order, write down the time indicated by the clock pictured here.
12:43
